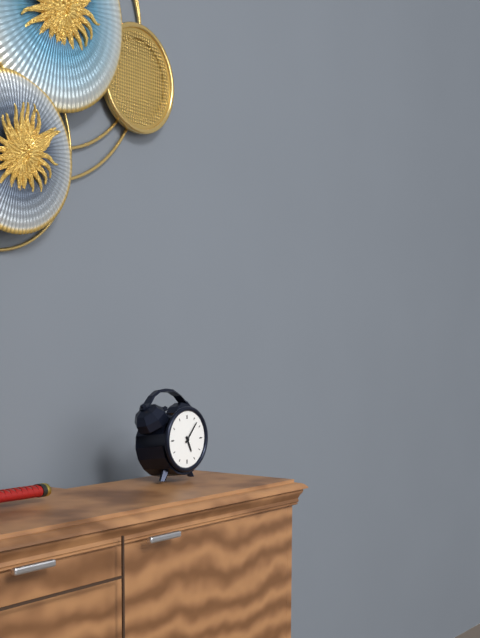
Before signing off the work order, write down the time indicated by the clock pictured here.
5:07
